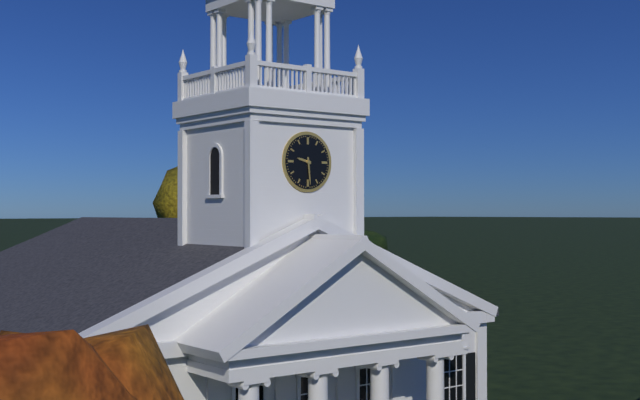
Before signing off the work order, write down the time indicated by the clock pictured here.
9:29
